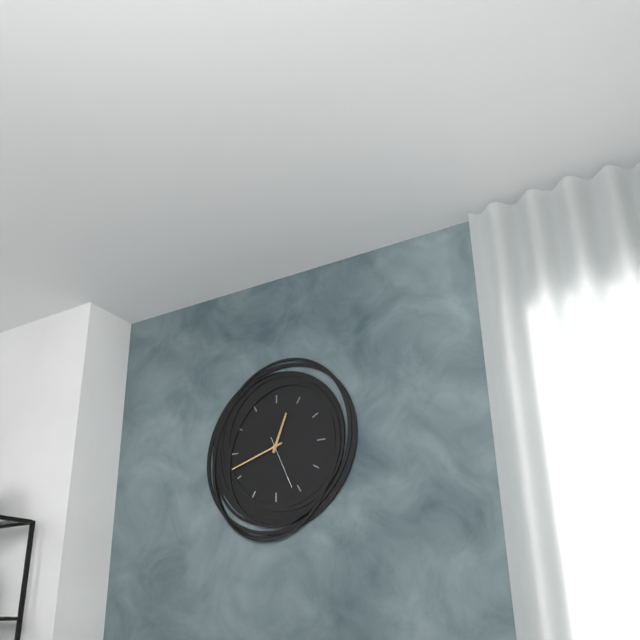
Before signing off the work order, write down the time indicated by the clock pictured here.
12:42:26
